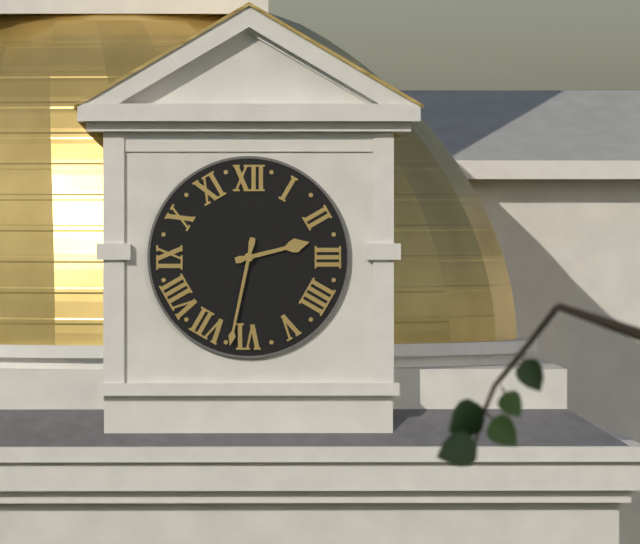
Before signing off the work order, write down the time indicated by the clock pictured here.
2:32
